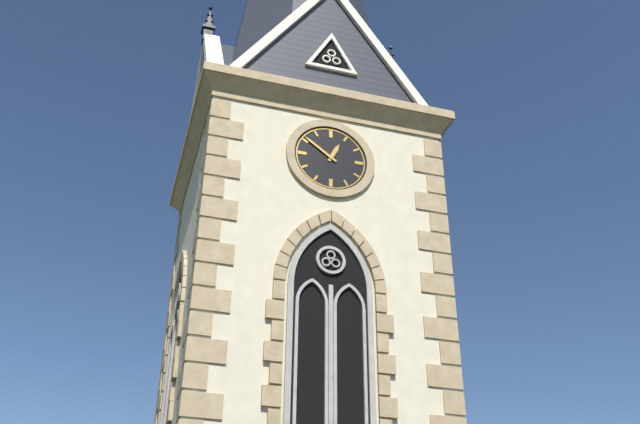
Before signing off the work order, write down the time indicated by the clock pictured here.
12:51
